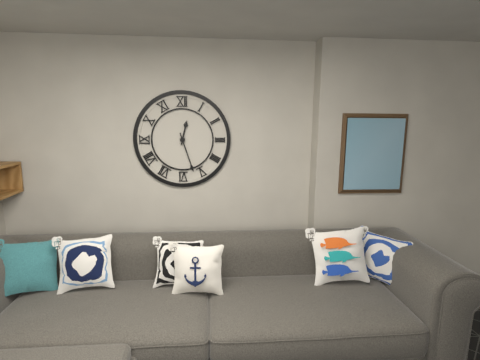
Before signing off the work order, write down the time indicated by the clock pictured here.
12:27
